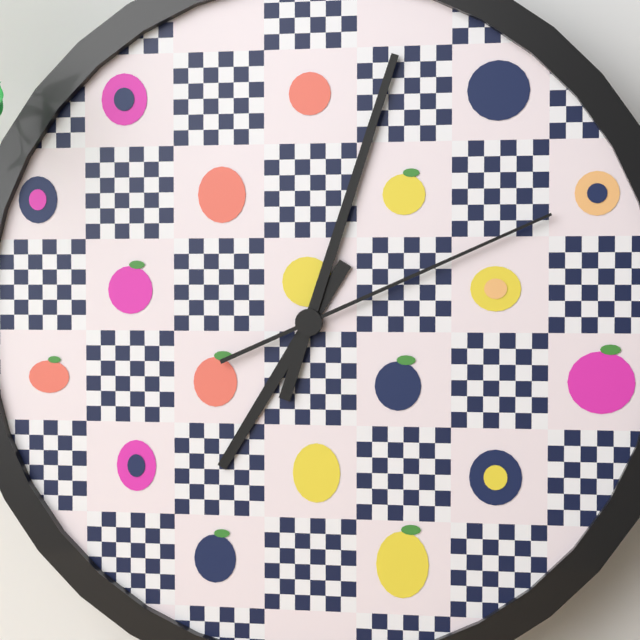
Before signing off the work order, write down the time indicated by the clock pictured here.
7:03:11
